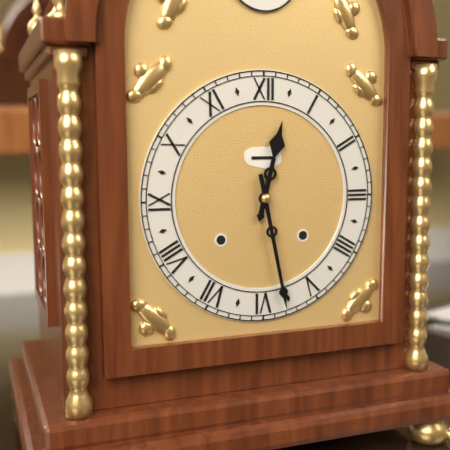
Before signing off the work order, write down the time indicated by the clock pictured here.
12:28
